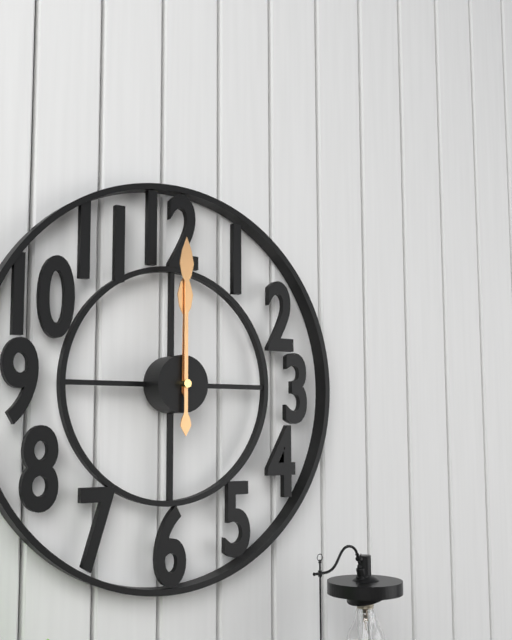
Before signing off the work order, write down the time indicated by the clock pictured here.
12:00
